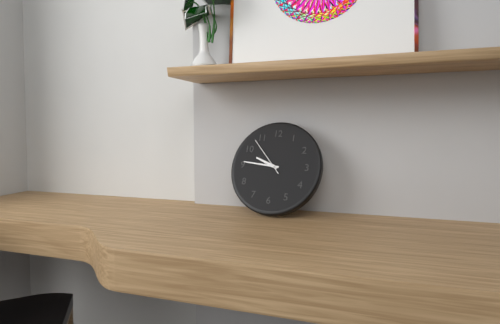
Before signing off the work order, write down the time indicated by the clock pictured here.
9:46
